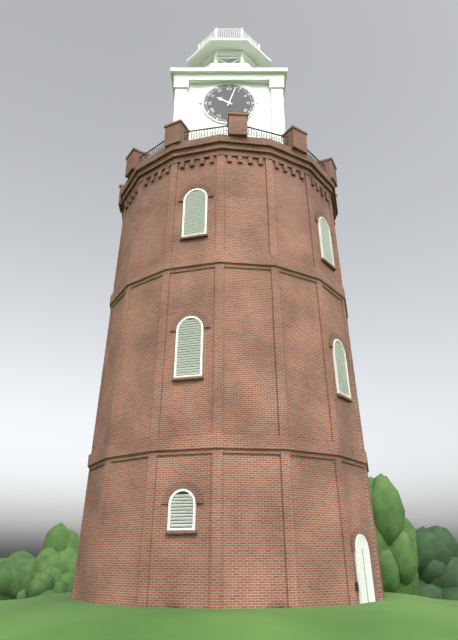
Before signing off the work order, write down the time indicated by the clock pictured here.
10:03
